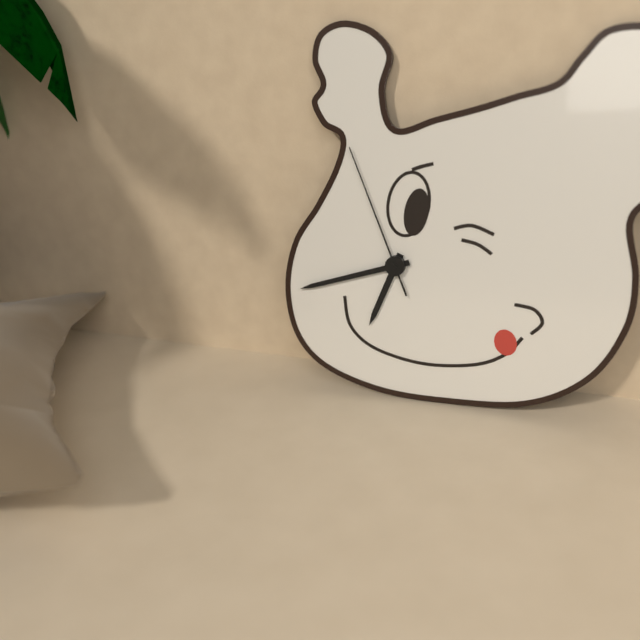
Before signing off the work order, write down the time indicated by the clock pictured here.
6:42:56
